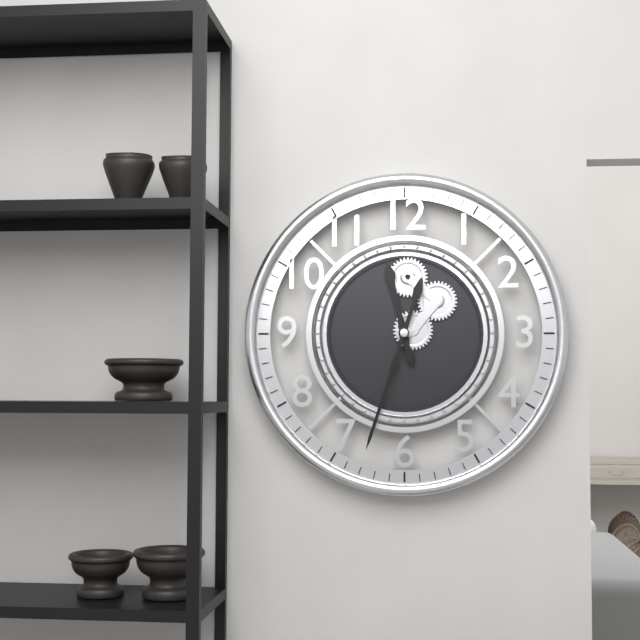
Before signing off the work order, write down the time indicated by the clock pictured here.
11:33
